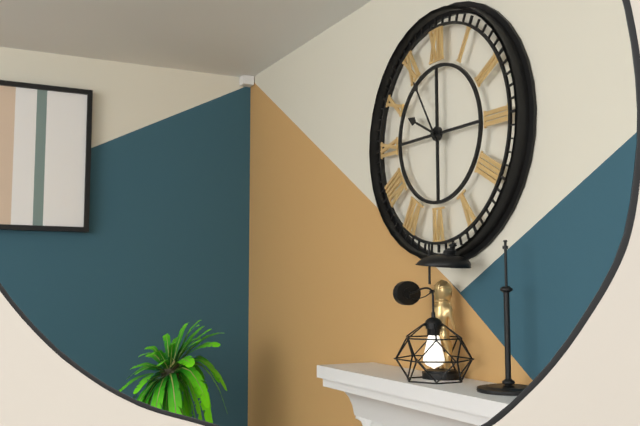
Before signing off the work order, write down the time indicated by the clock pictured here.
9:55
